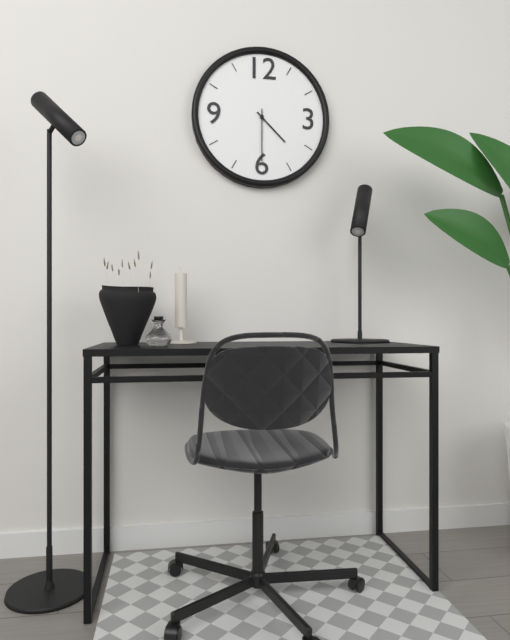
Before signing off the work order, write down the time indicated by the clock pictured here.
4:30
